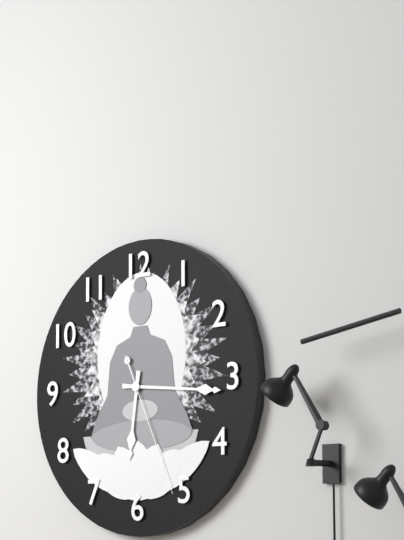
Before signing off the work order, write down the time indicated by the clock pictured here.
6:16:26
